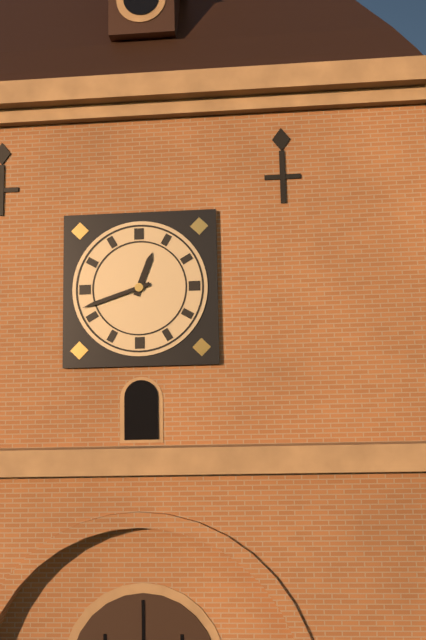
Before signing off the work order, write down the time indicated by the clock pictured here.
12:42
